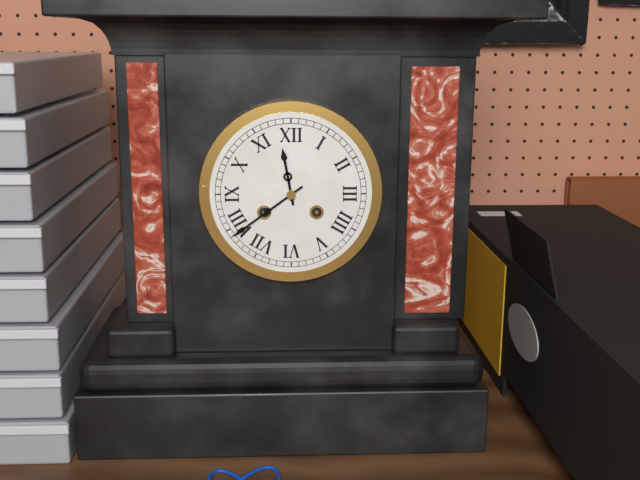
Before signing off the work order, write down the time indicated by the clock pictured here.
11:39
